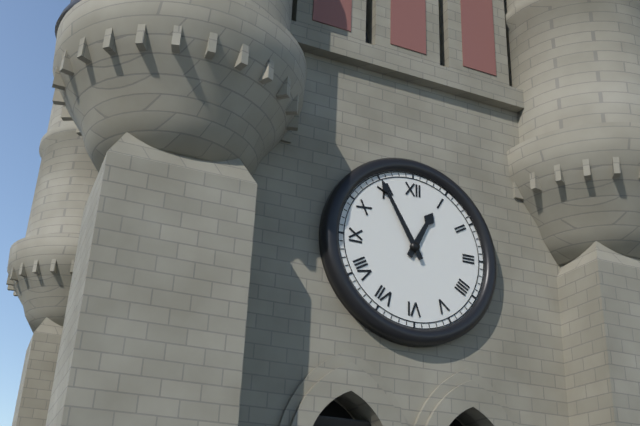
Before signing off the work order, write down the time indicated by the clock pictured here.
12:55
